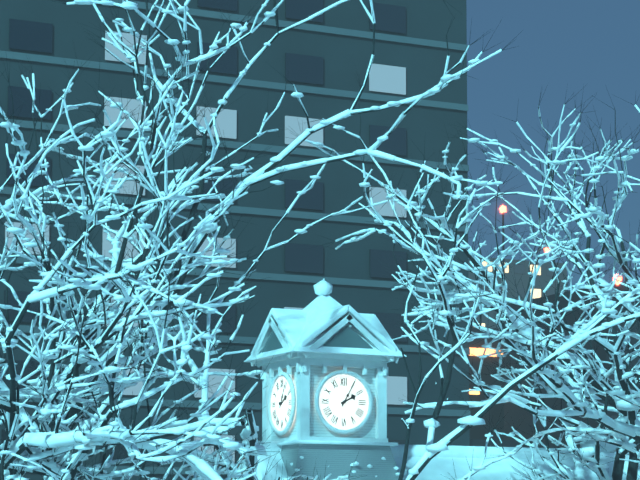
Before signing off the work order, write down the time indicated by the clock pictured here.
2:05
